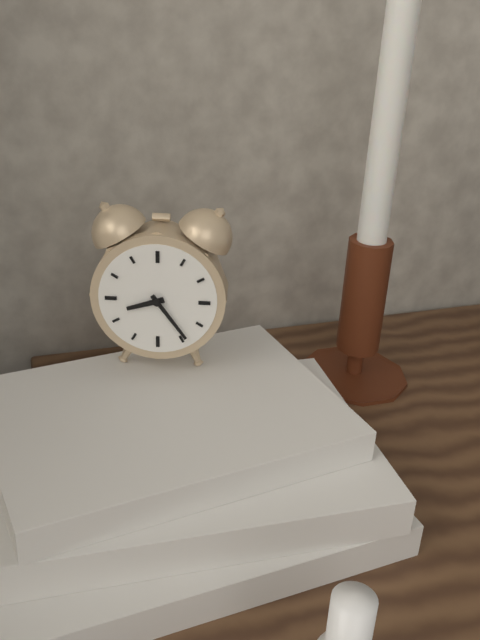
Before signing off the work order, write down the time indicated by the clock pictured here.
8:24
